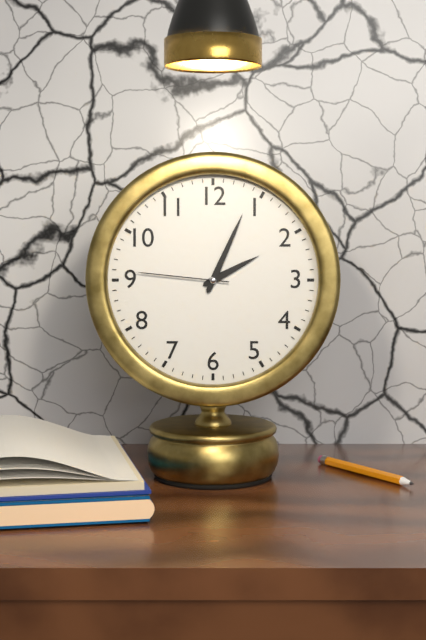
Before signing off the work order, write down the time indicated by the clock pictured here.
2:04:46
